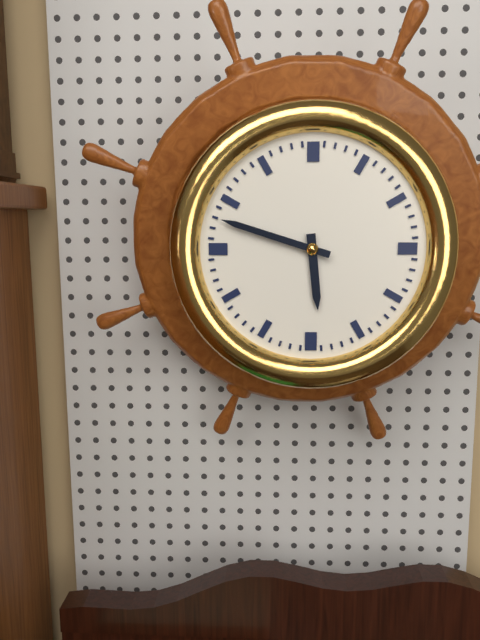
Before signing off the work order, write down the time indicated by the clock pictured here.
5:48
